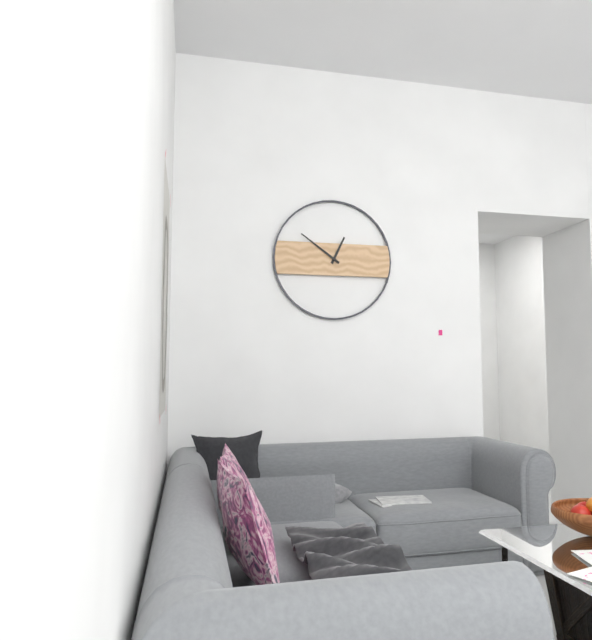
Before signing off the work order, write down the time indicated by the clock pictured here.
12:51
